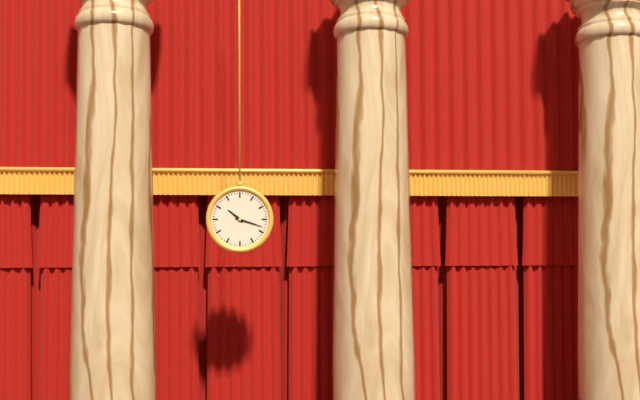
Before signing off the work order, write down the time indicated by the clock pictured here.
10:18
